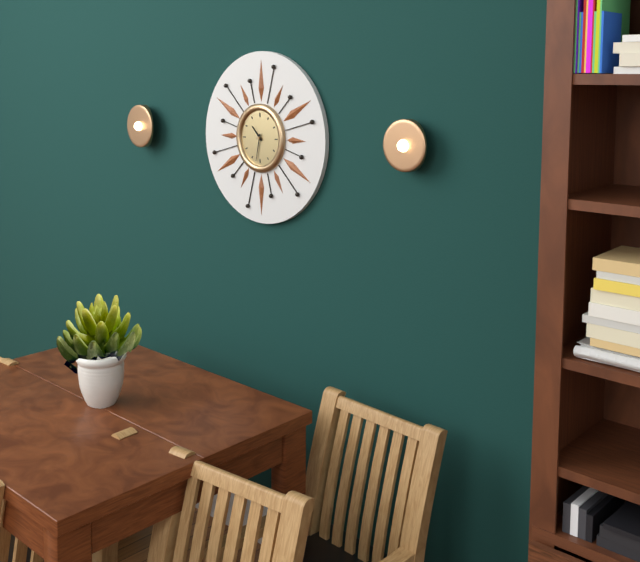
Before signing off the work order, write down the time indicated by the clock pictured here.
10:32
